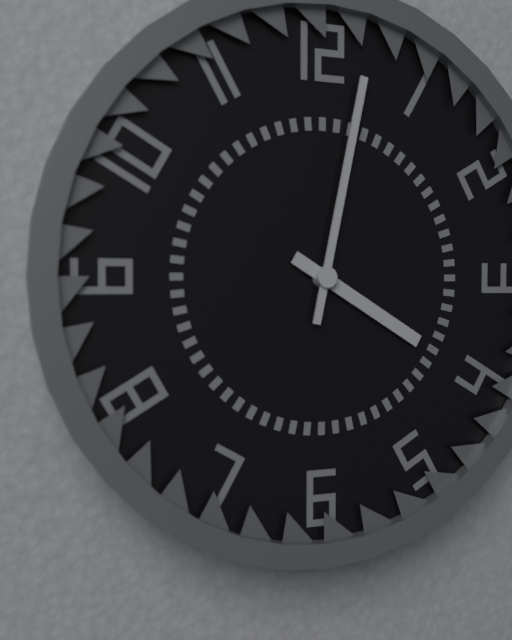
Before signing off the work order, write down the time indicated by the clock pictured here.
4:02
